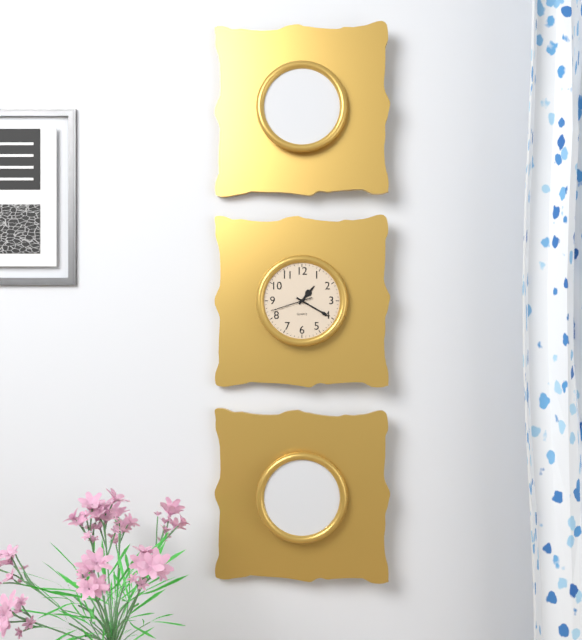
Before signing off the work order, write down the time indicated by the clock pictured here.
1:20
